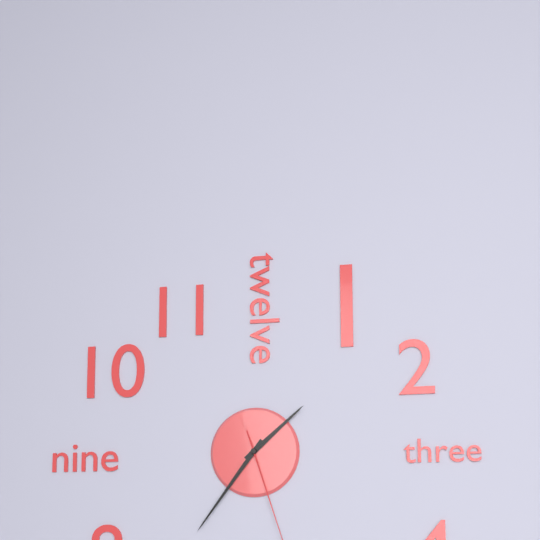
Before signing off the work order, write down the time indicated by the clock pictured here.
1:36
